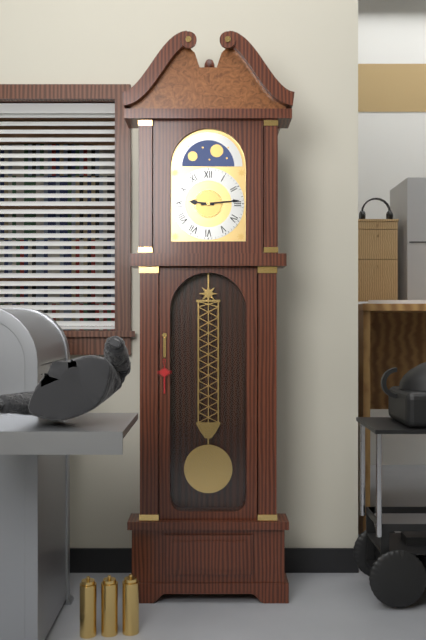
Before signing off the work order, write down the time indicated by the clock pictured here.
9:14
